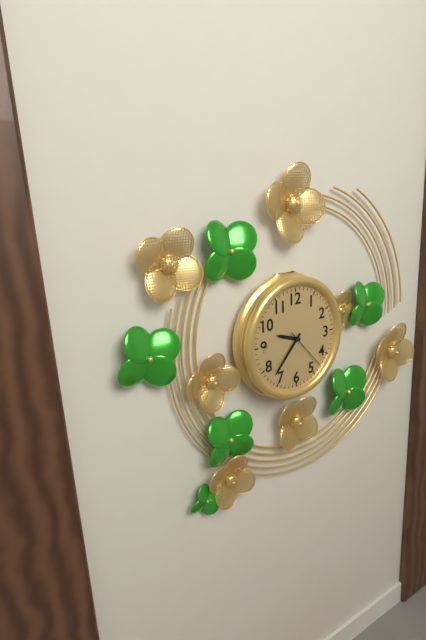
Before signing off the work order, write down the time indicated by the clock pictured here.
9:37
